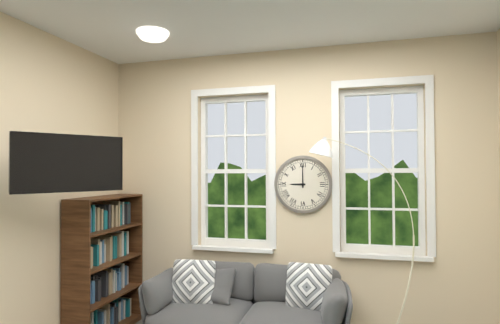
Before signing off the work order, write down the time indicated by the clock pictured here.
9:00
